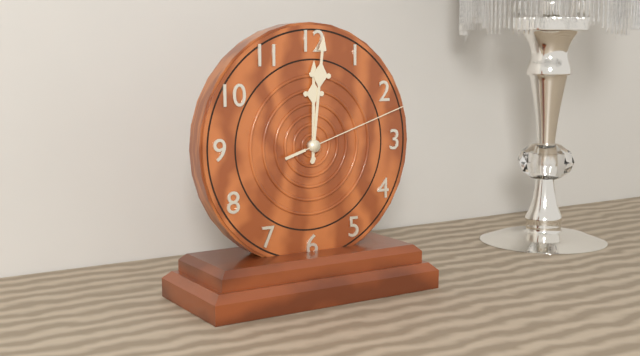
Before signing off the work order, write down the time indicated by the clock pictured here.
12:01:12
